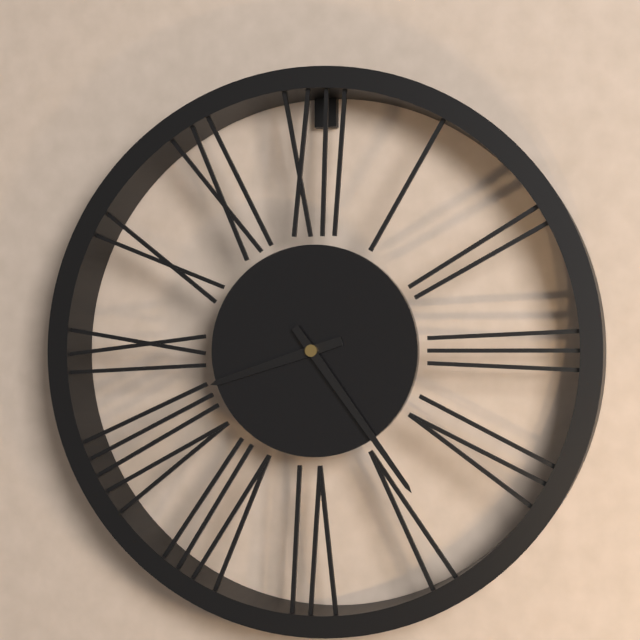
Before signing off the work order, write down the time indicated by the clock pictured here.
8:24
